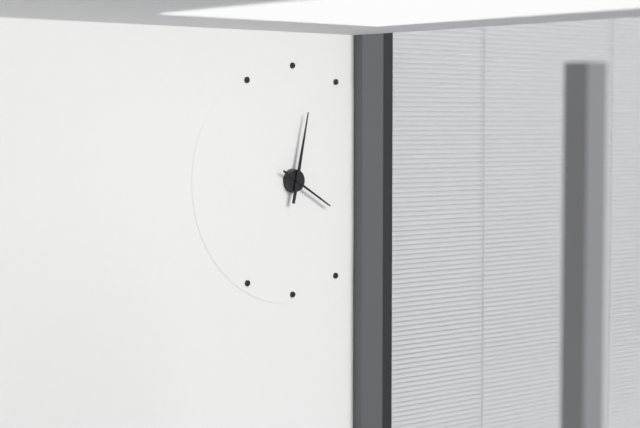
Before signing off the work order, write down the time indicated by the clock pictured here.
4:02
